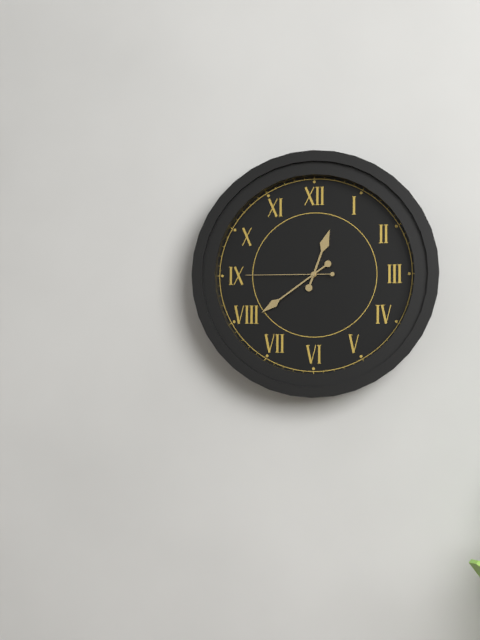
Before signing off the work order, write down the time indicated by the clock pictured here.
12:39:45
